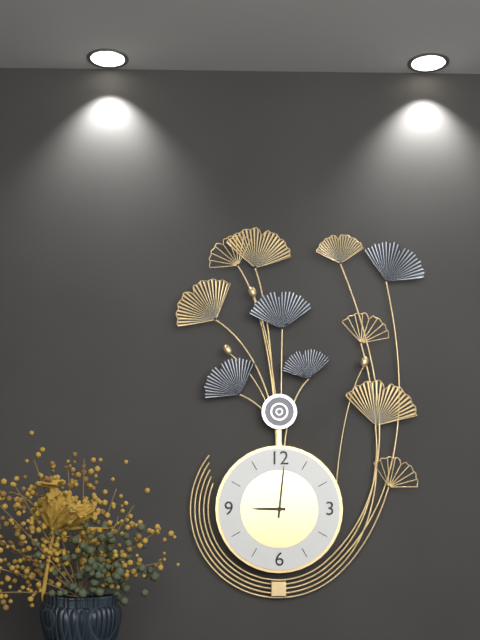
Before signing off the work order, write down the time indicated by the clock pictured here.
9:01
